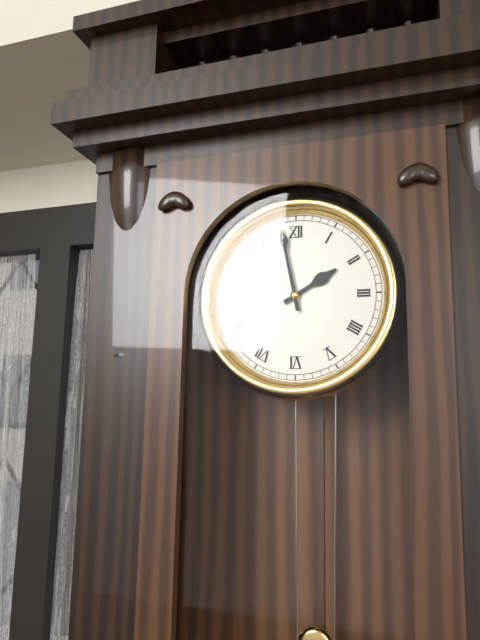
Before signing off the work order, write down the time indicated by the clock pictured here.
1:58
